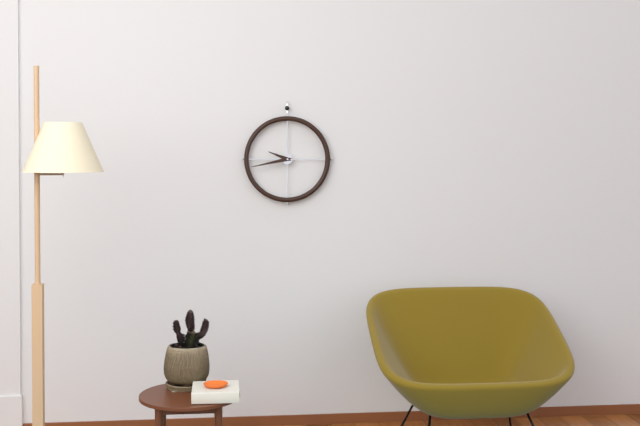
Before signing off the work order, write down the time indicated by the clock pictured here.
9:43
